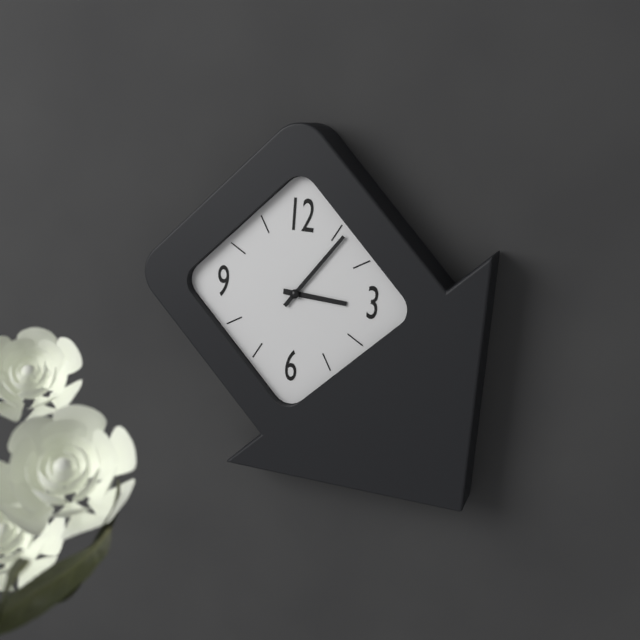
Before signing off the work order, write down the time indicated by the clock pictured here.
3:06
